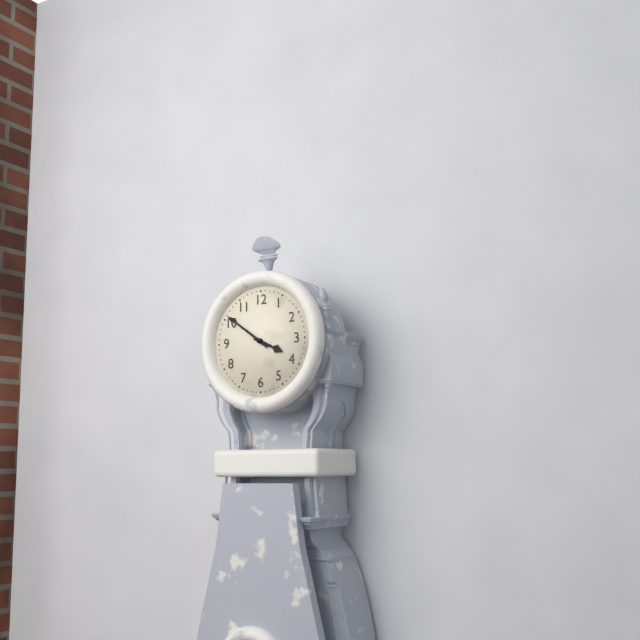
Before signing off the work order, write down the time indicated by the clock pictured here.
3:51
